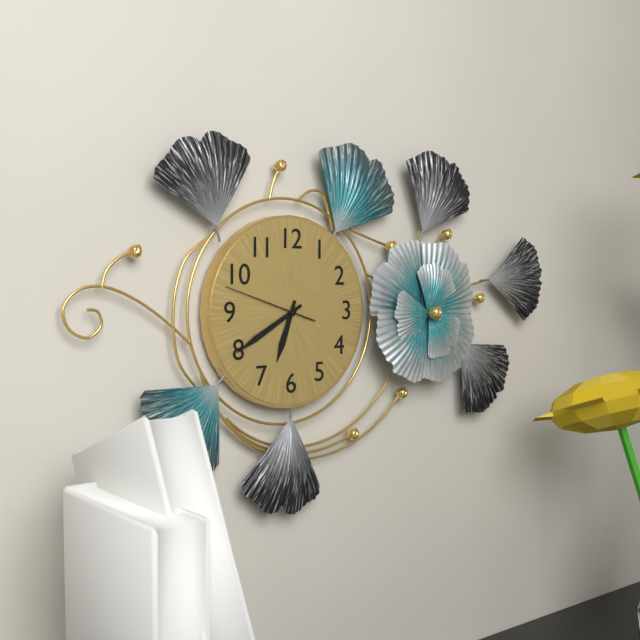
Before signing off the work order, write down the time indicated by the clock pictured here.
6:40:48
